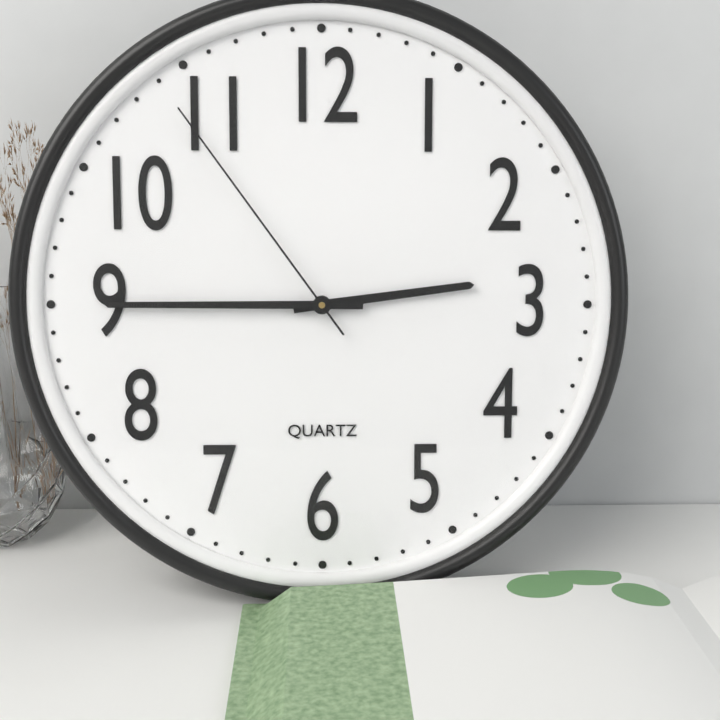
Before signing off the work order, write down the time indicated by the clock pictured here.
2:45:54
